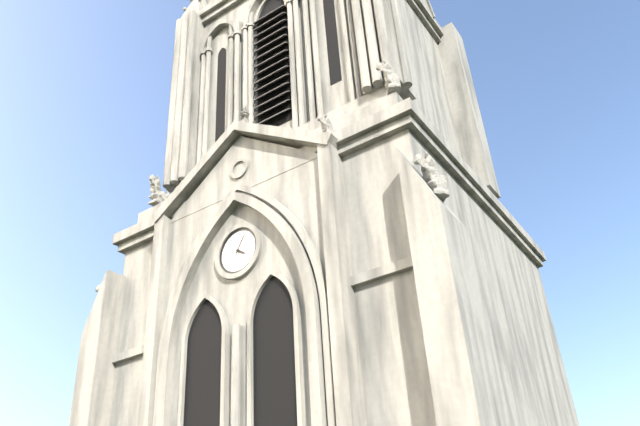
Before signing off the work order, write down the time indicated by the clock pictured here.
4:05
